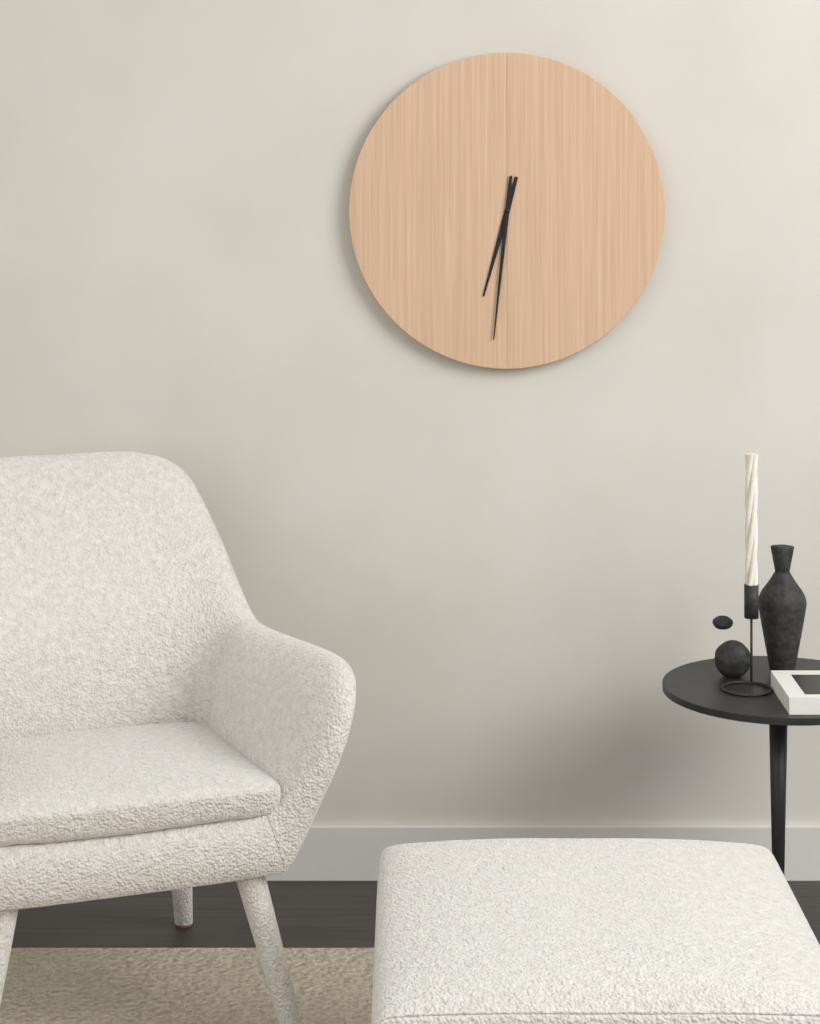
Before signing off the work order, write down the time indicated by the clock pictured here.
6:31
